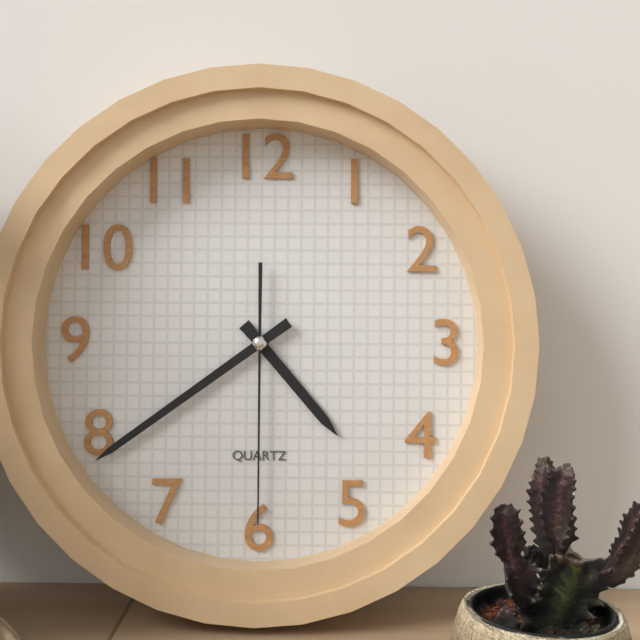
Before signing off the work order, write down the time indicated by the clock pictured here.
4:39:30
